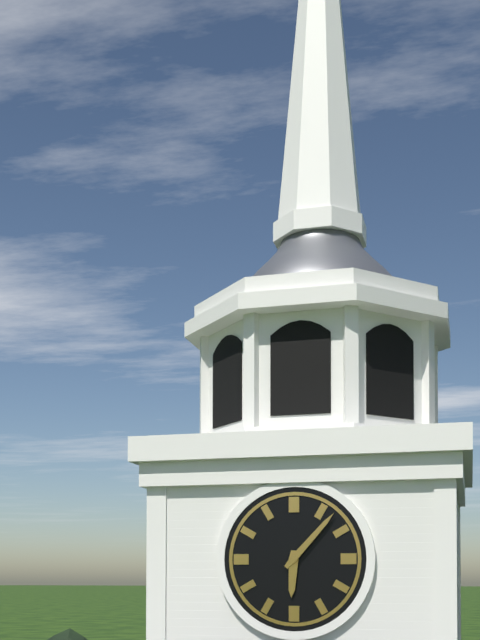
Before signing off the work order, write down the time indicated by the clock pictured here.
6:07
